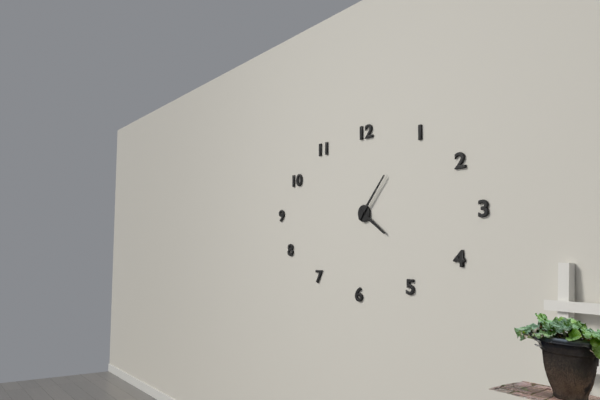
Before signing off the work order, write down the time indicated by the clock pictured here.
4:07
